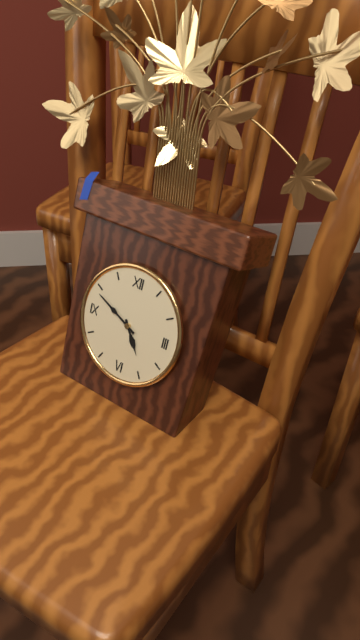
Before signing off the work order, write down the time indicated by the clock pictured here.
4:49
